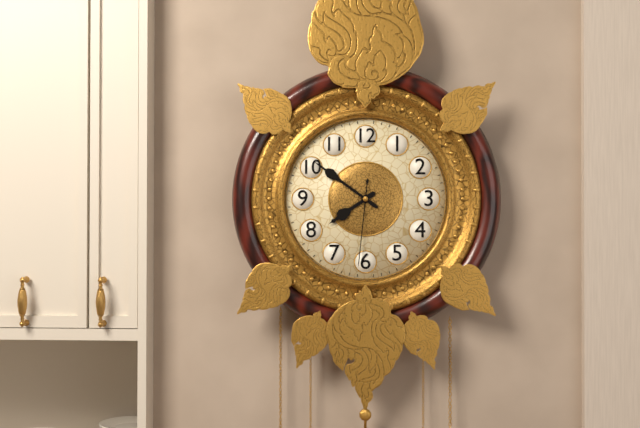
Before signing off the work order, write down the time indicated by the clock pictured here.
7:51:31
